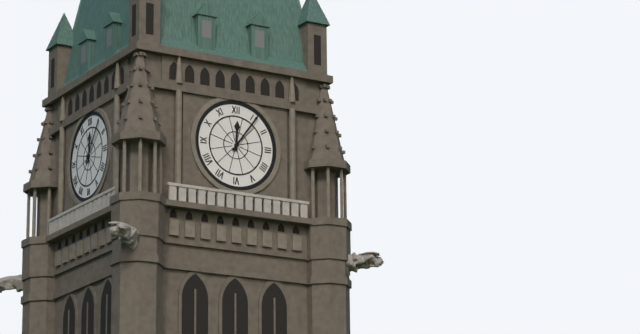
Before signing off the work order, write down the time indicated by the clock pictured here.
12:06
